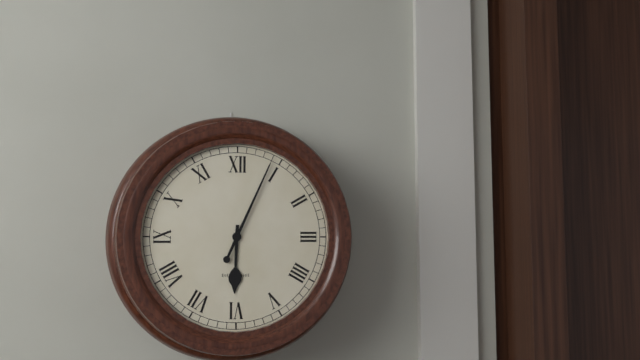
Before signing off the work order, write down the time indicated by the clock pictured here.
6:04
